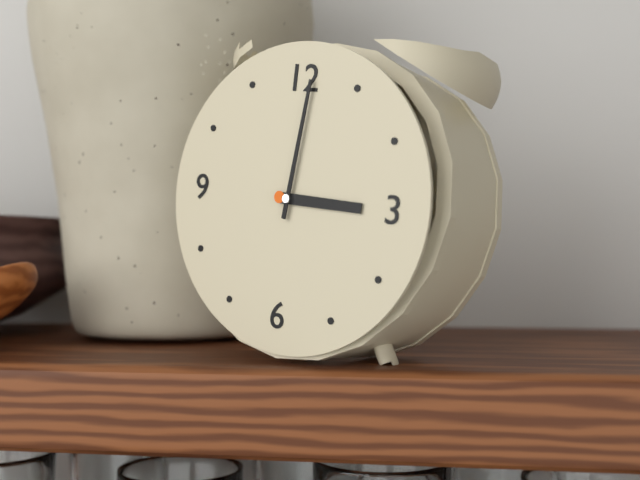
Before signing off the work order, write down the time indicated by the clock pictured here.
3:01
